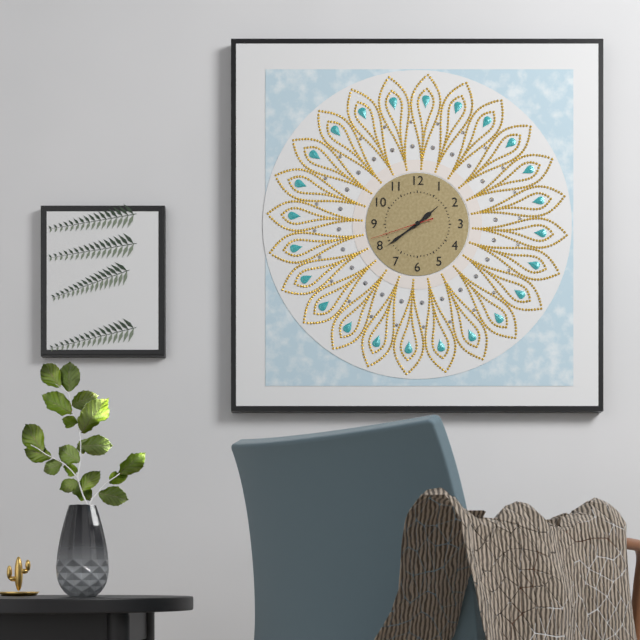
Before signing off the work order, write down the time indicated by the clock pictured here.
1:39:42
